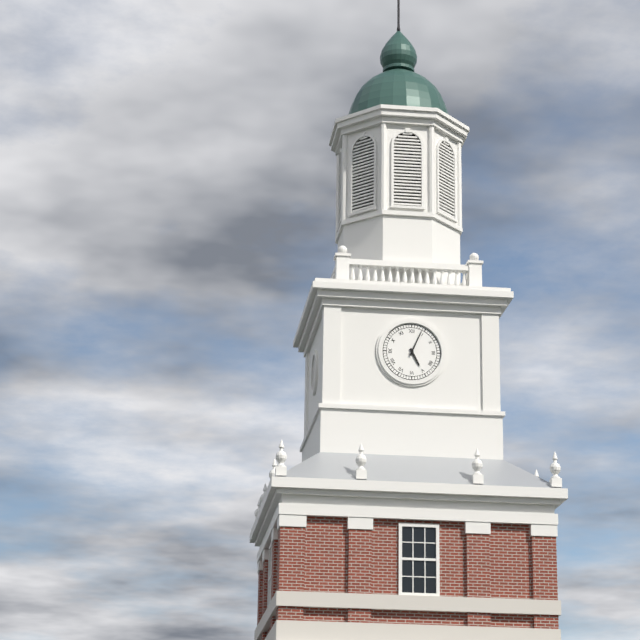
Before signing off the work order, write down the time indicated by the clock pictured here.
5:04
